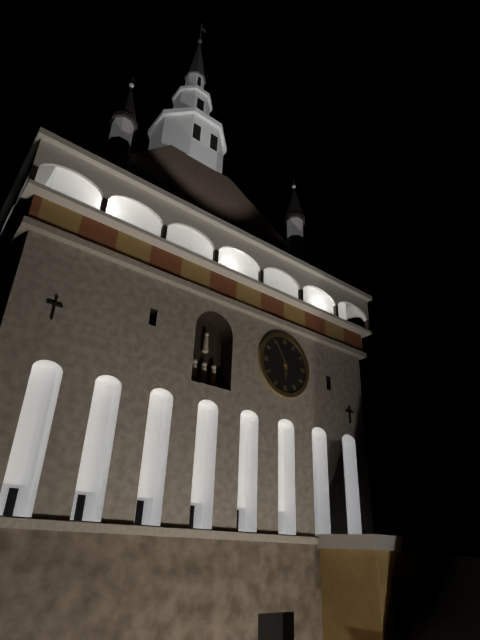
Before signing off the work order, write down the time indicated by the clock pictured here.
5:55
